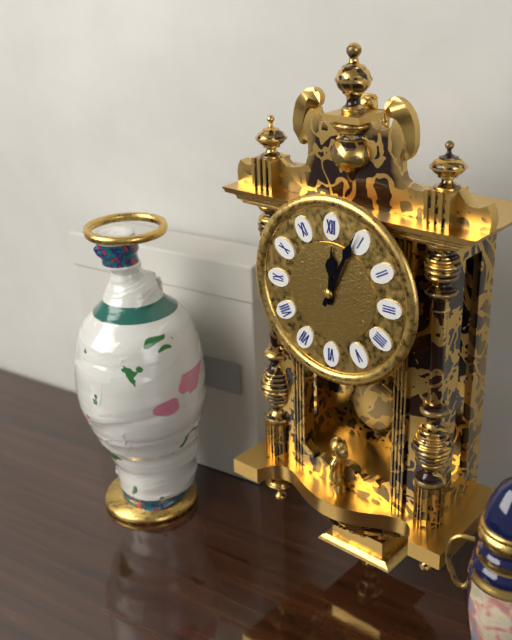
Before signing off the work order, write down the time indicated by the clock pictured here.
12:04
